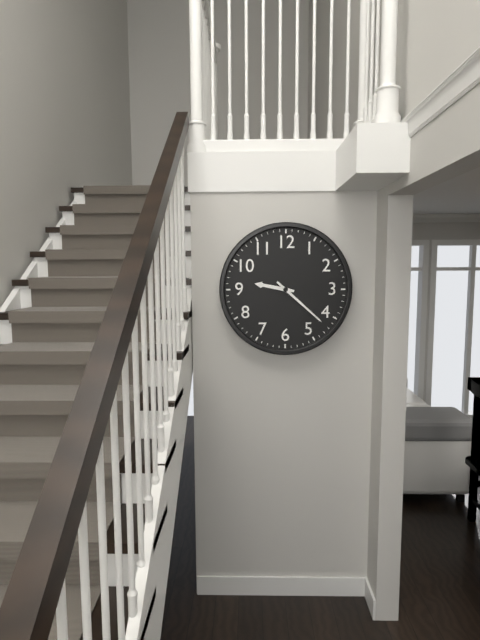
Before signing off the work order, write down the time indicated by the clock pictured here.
9:22
